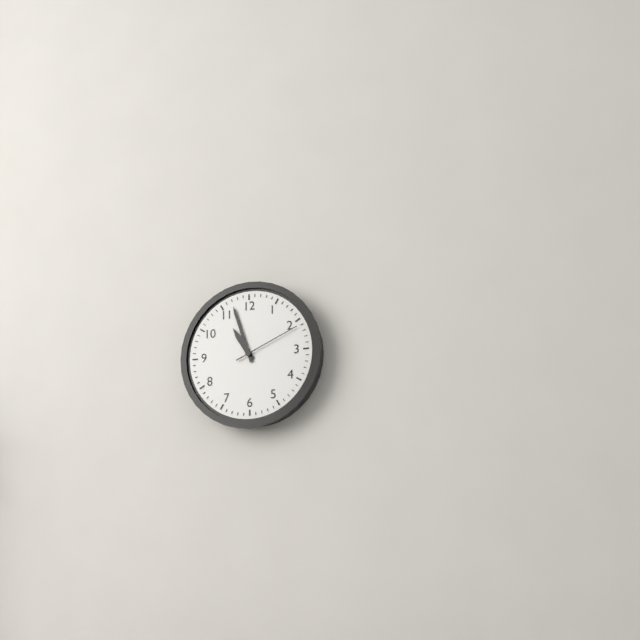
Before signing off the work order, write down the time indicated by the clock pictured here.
10:57:11
